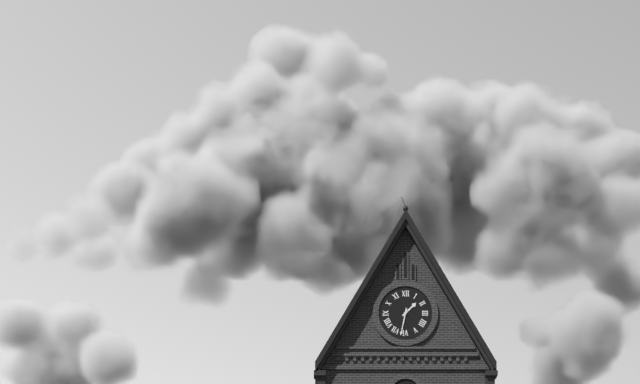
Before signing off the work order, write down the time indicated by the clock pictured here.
1:32
